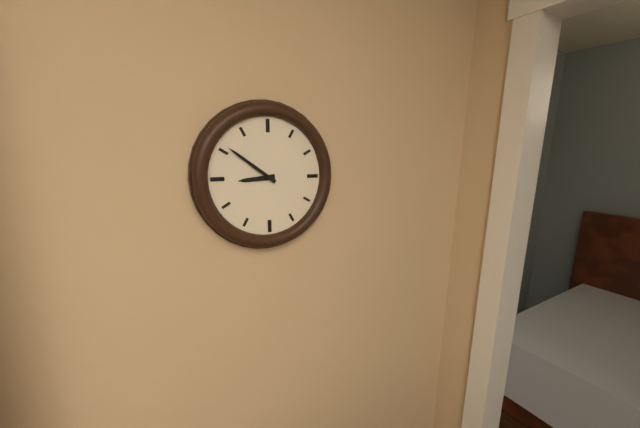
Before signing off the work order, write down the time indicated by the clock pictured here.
8:51
